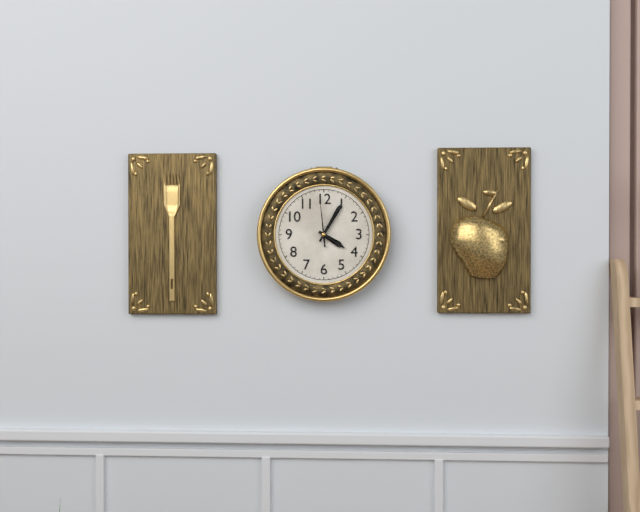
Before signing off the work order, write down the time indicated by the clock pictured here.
4:05
